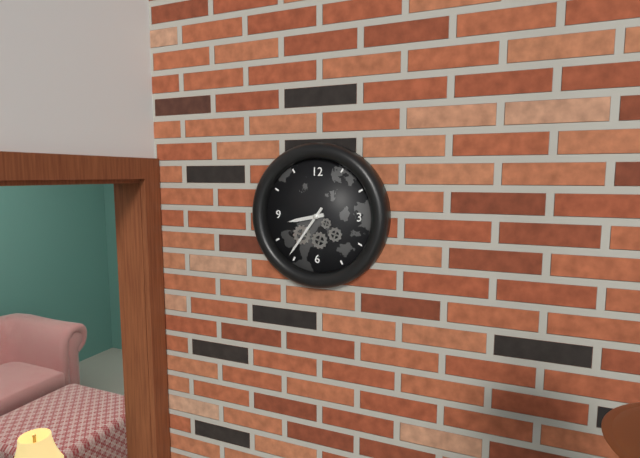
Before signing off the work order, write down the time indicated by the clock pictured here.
8:36
